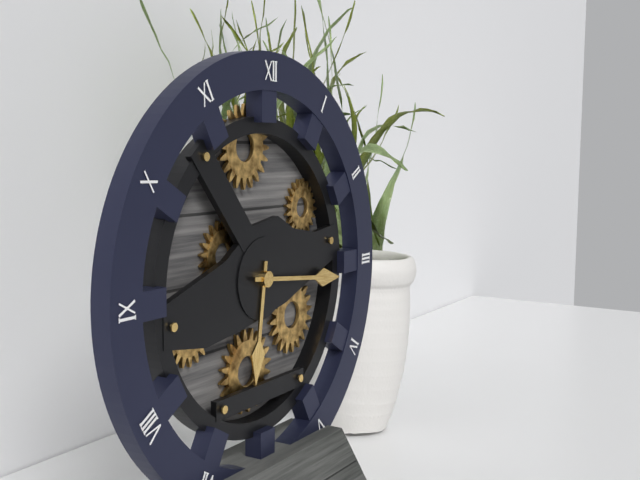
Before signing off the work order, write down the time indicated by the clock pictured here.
6:16
